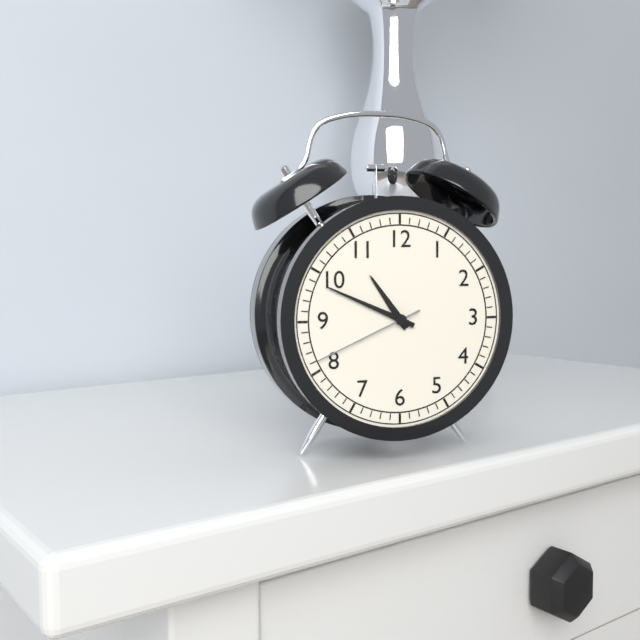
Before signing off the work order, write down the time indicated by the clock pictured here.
10:49:41
